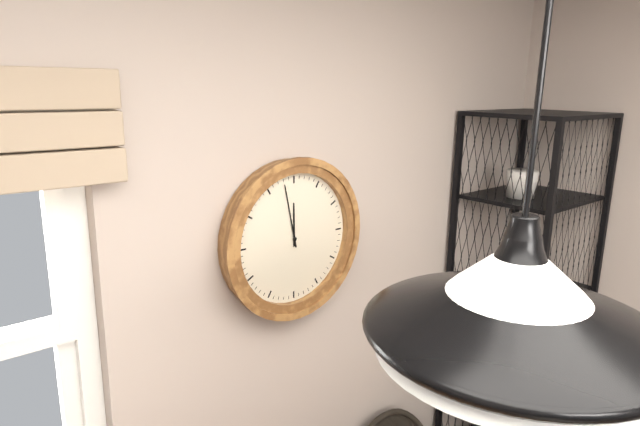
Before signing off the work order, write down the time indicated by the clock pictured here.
11:58
